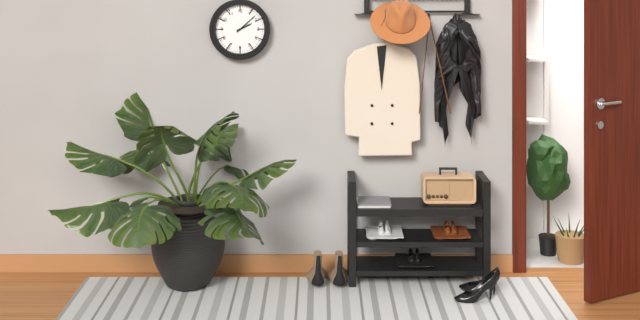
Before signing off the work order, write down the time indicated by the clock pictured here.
2:08
